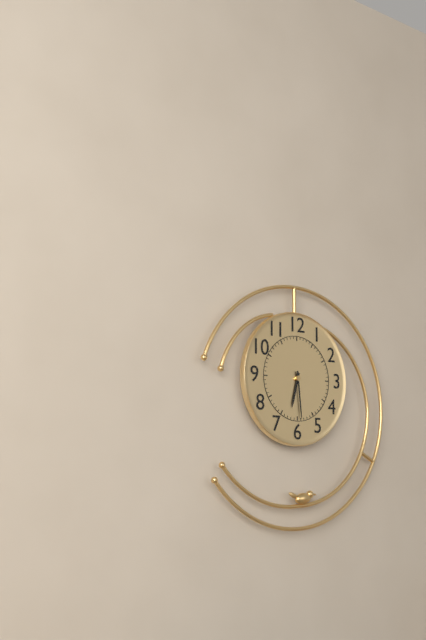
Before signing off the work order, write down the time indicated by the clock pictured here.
6:29
